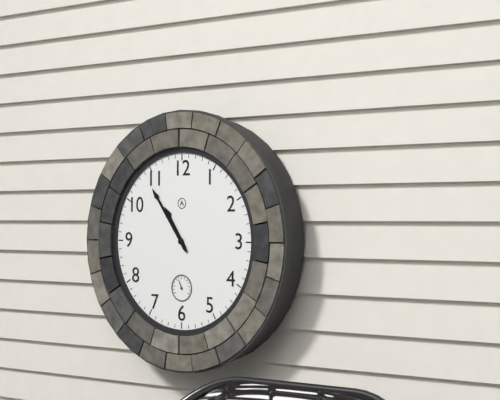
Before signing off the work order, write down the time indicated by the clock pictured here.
10:54
